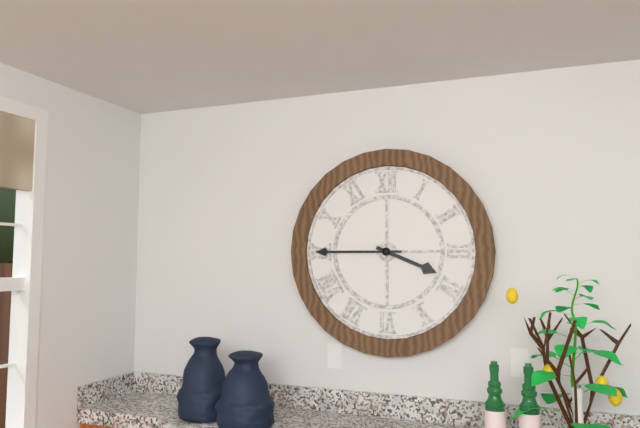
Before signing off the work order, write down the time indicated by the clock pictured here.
3:45
